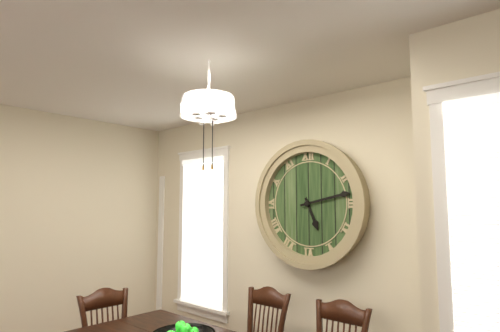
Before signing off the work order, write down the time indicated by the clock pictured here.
5:13
